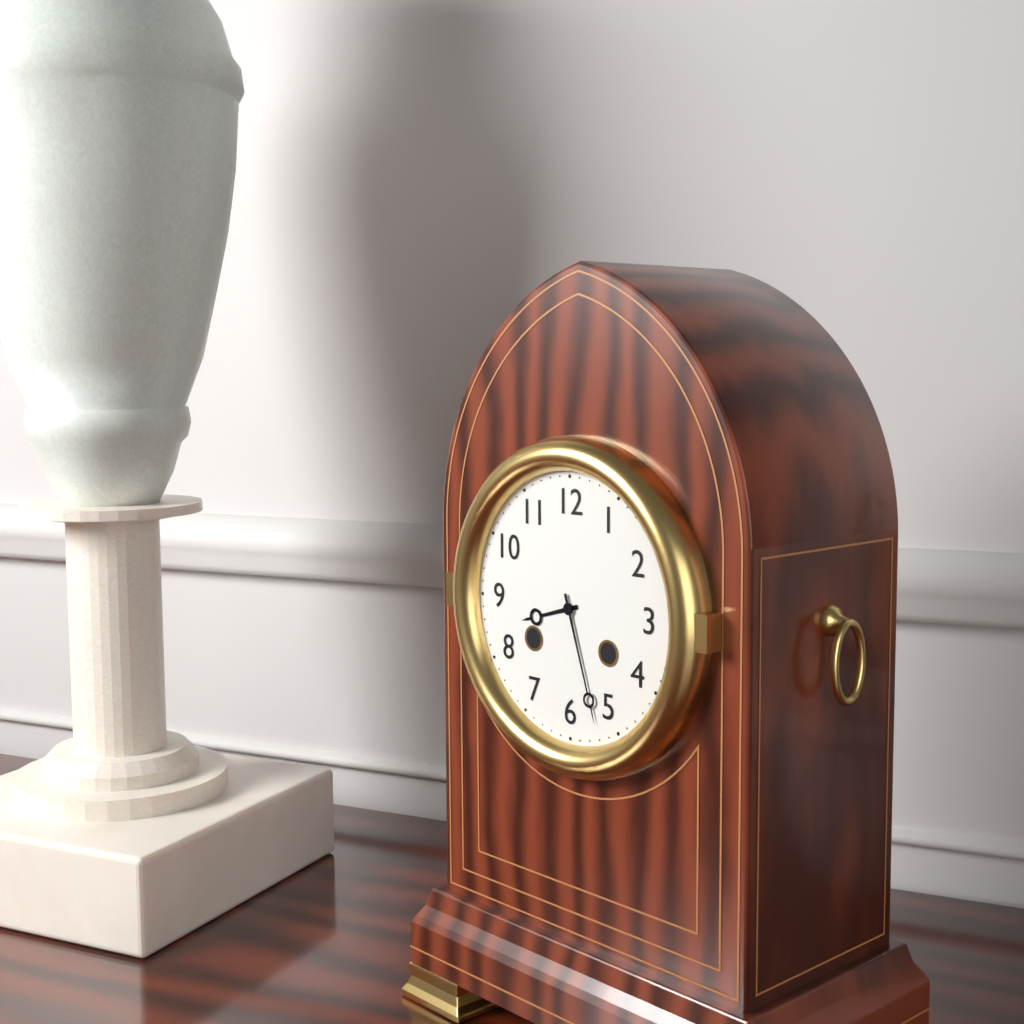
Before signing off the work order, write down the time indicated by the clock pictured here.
8:27
